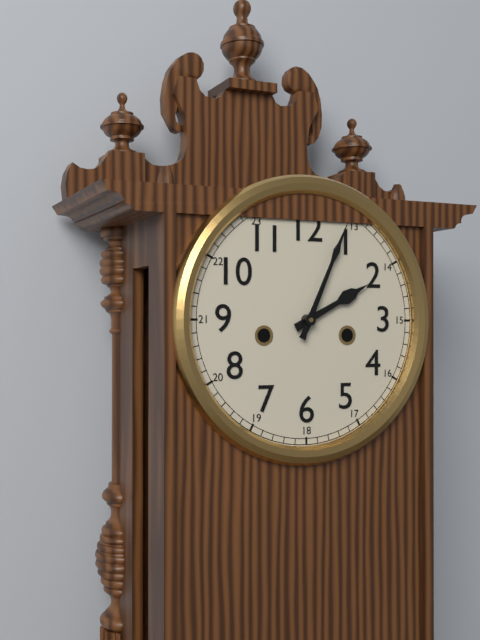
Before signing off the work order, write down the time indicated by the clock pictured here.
2:04
